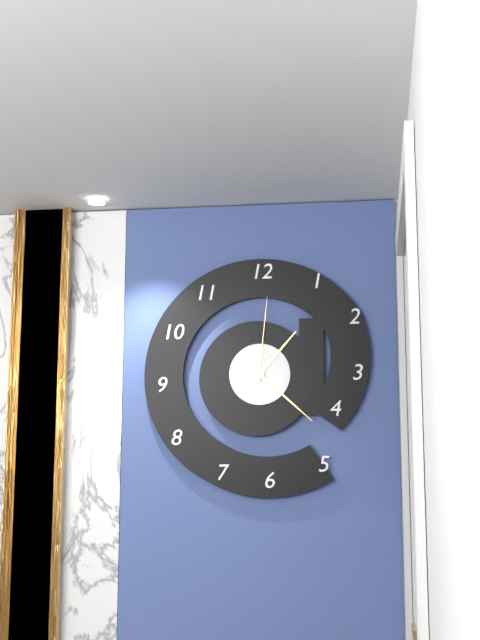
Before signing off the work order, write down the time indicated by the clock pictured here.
1:22:01
